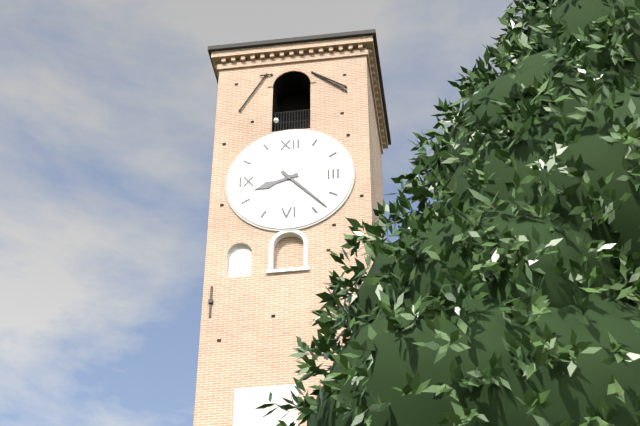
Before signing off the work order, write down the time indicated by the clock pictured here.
8:23
